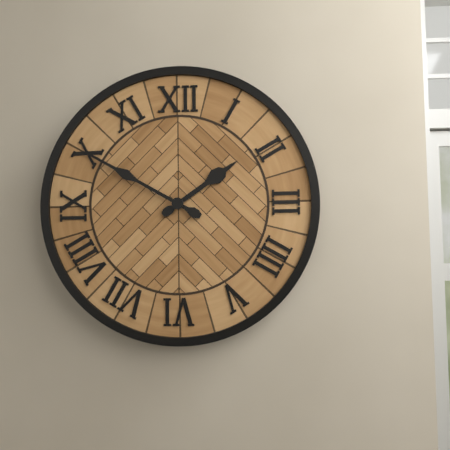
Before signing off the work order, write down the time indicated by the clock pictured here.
1:50
